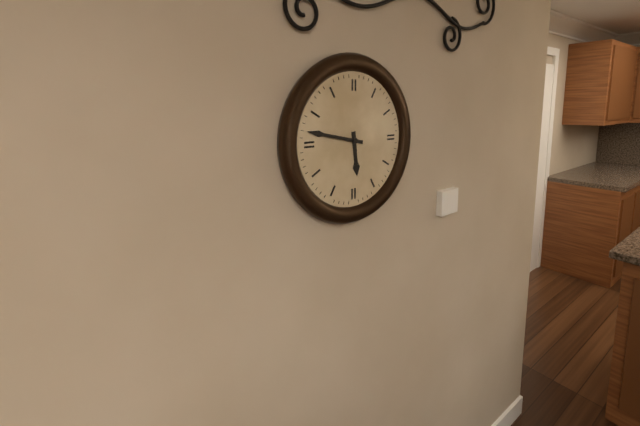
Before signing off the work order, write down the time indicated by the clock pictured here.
5:47
